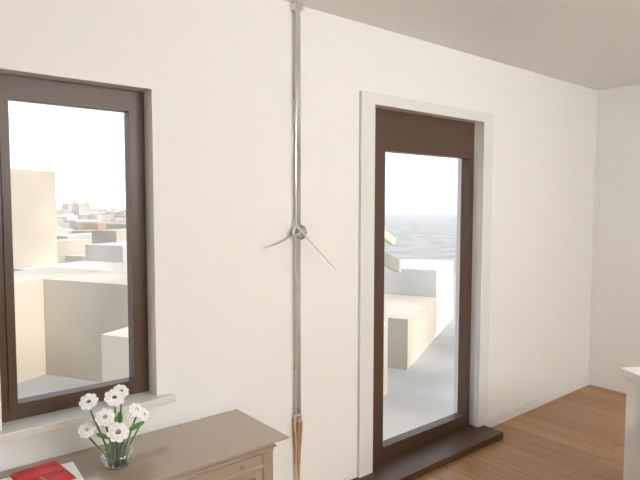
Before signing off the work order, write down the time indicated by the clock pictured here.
8:22
